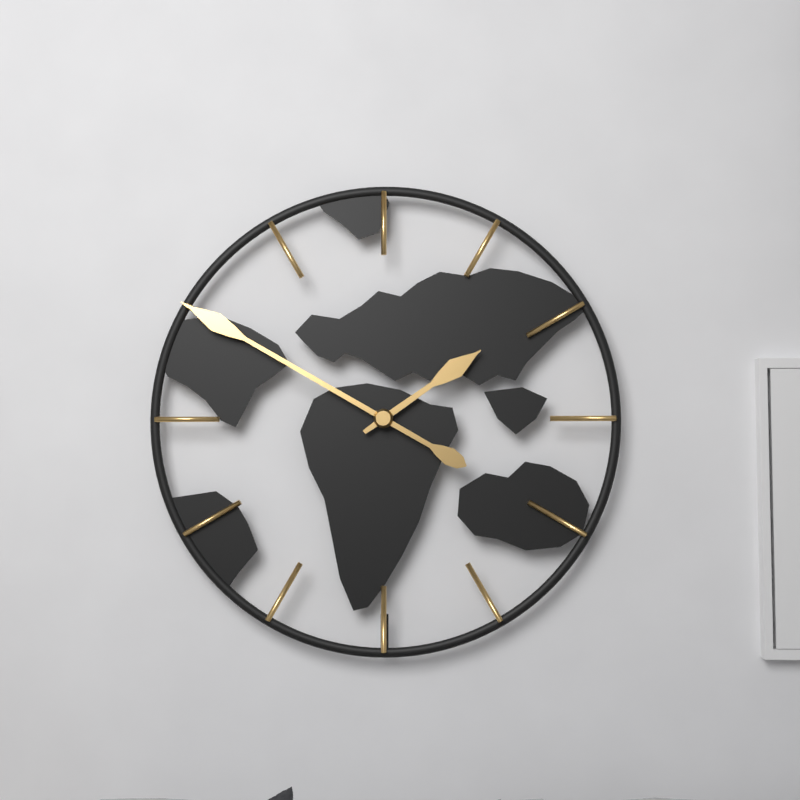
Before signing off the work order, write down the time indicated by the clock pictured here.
1:50
